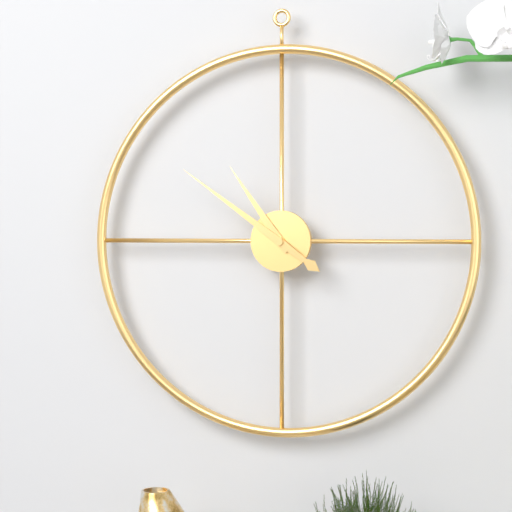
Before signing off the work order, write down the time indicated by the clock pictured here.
10:51
